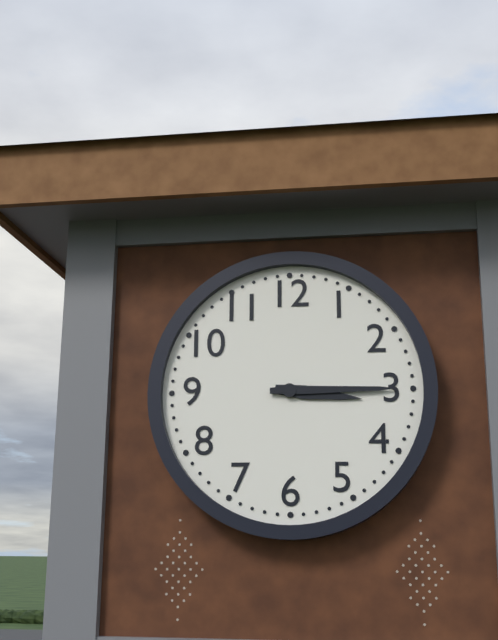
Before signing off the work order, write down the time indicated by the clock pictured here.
3:15
